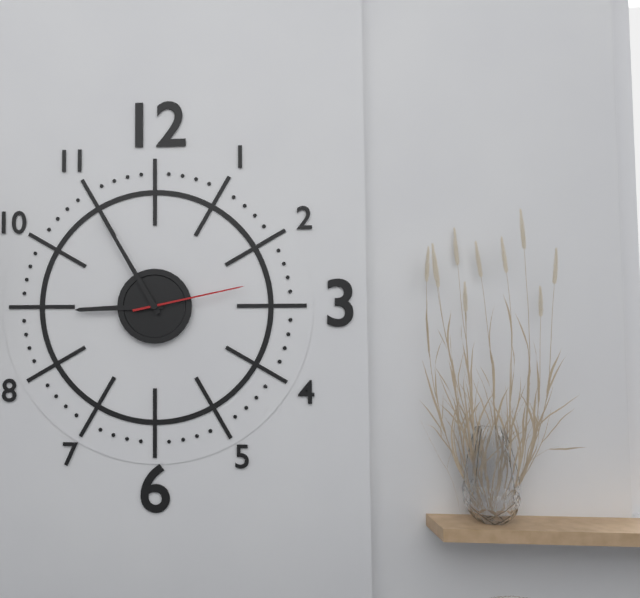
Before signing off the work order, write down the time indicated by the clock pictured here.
8:55:13
